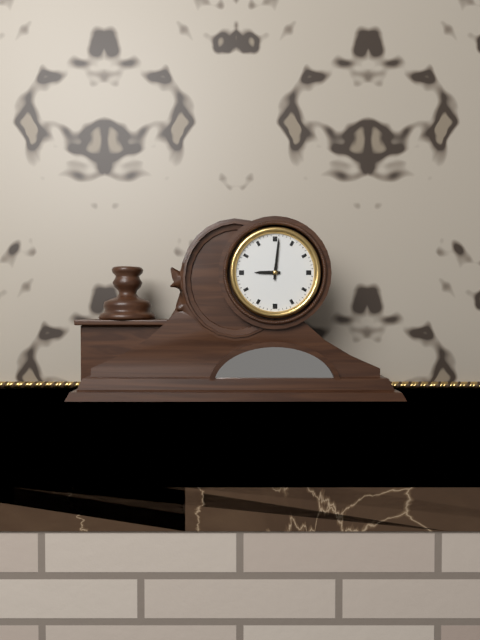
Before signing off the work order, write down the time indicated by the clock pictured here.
9:01
